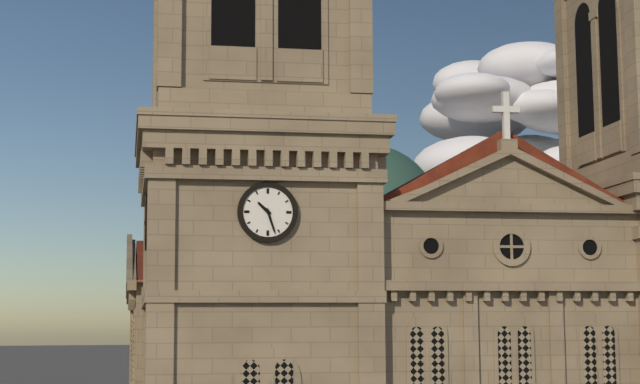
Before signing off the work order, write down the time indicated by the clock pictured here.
10:27
